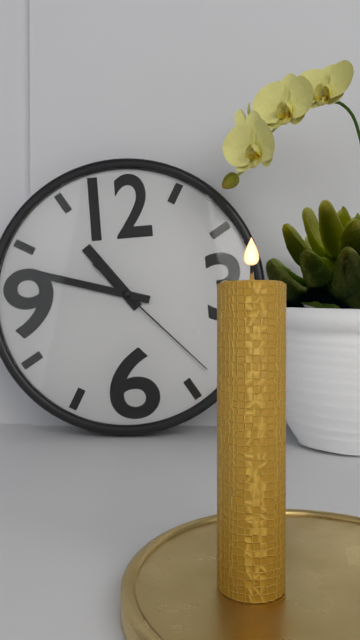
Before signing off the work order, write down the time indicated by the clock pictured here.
10:48:23
